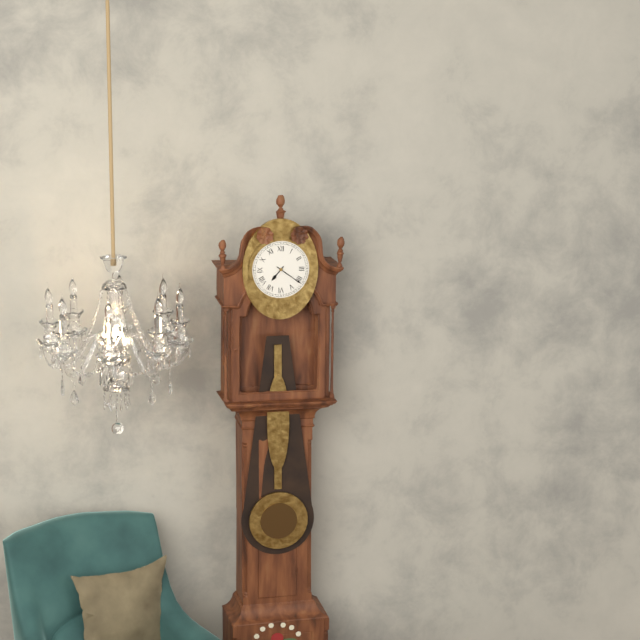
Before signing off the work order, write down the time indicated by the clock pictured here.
7:21
